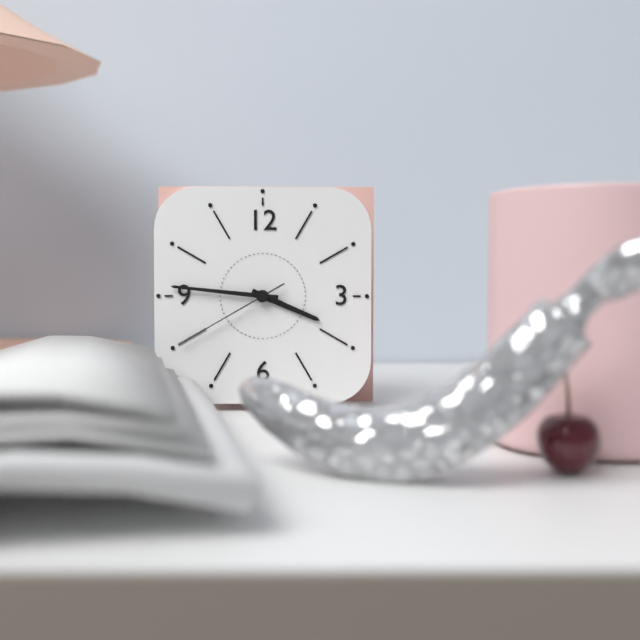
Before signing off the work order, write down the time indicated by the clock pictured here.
3:46:40
